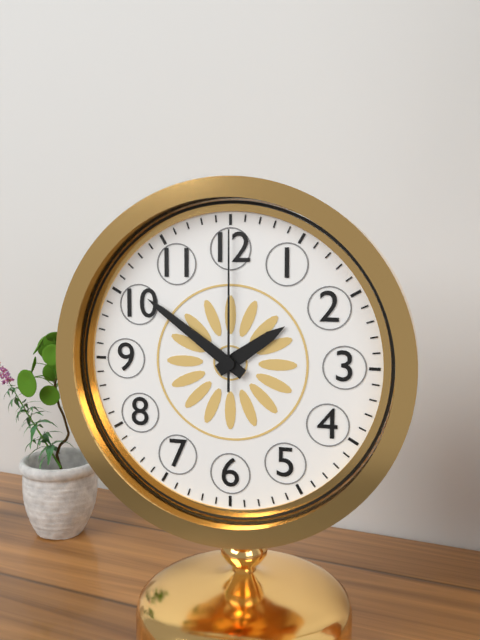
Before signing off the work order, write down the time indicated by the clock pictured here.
1:51:00
